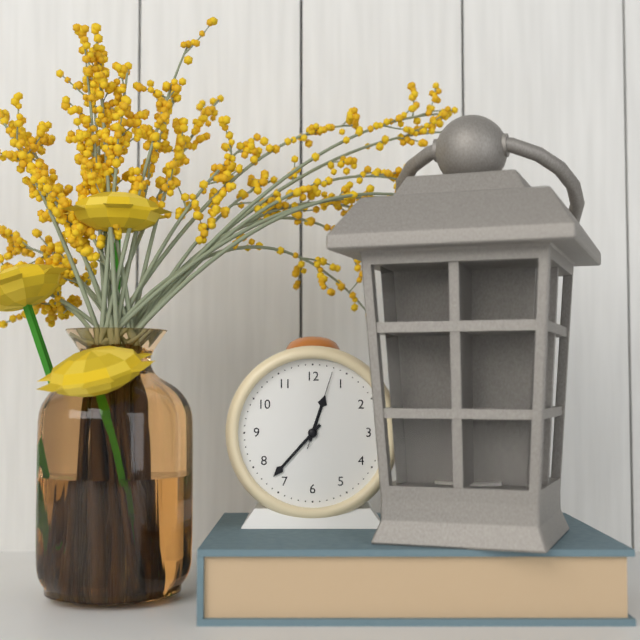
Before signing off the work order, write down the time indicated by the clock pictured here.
12:37:03
